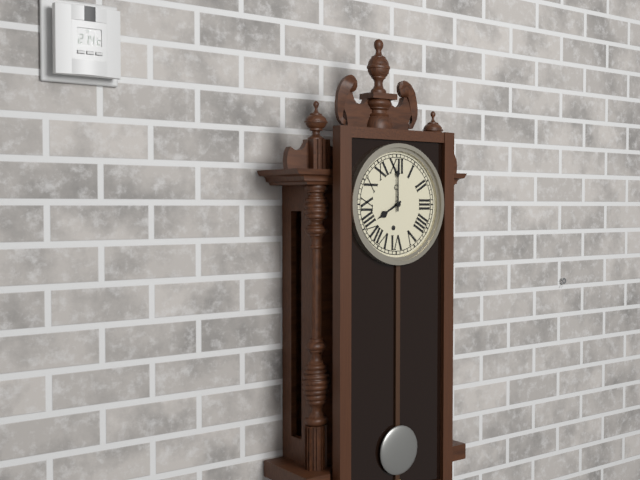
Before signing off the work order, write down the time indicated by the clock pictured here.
8:00
